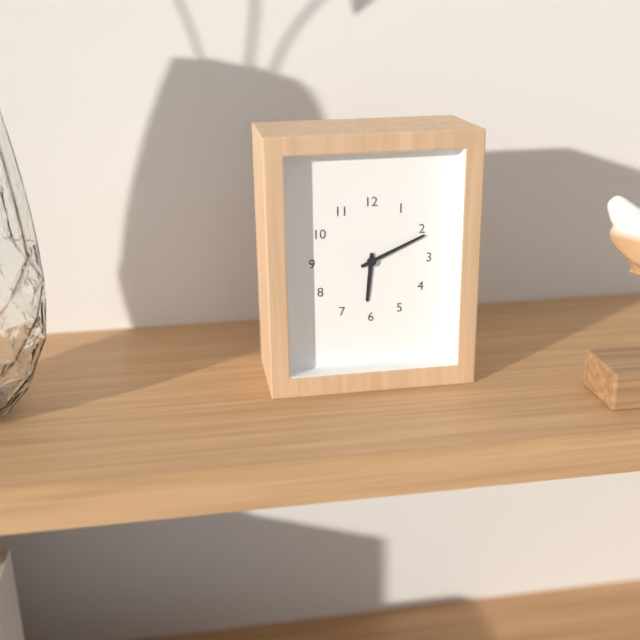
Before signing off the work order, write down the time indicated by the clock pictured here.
6:11
